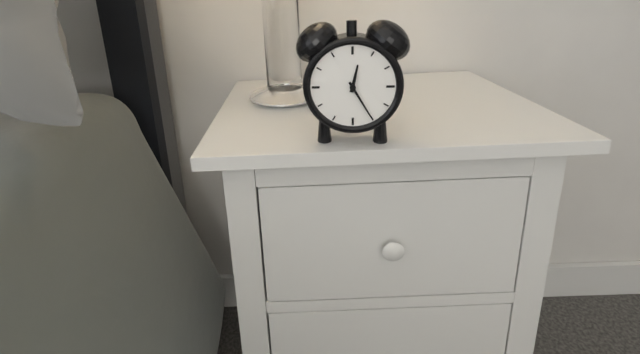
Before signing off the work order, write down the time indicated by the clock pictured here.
12:25
